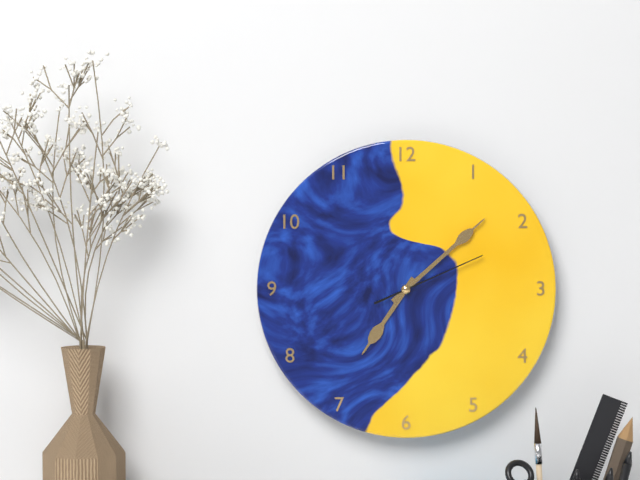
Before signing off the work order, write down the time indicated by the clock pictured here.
7:08:11
